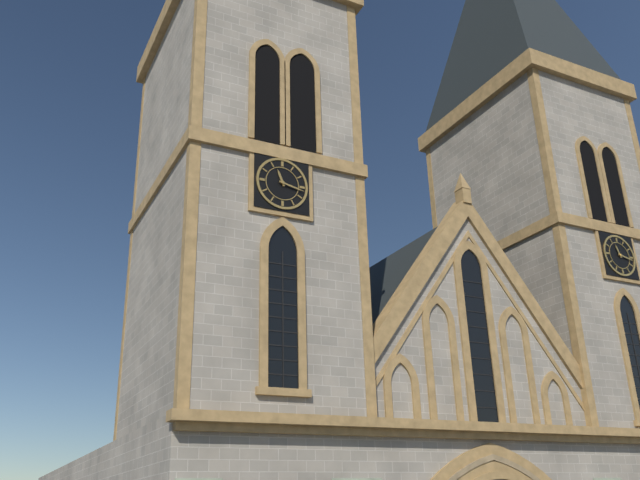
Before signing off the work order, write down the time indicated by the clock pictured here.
11:17
